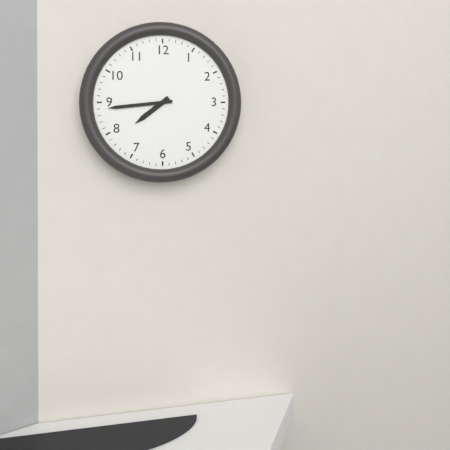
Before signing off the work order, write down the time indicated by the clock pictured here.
7:44
